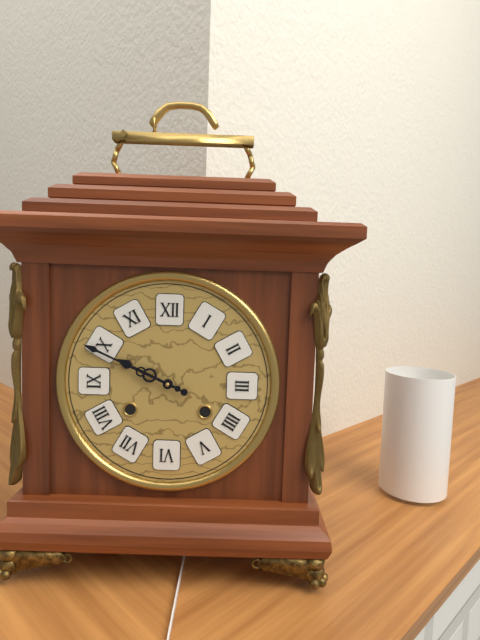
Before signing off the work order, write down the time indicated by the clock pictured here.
9:49
